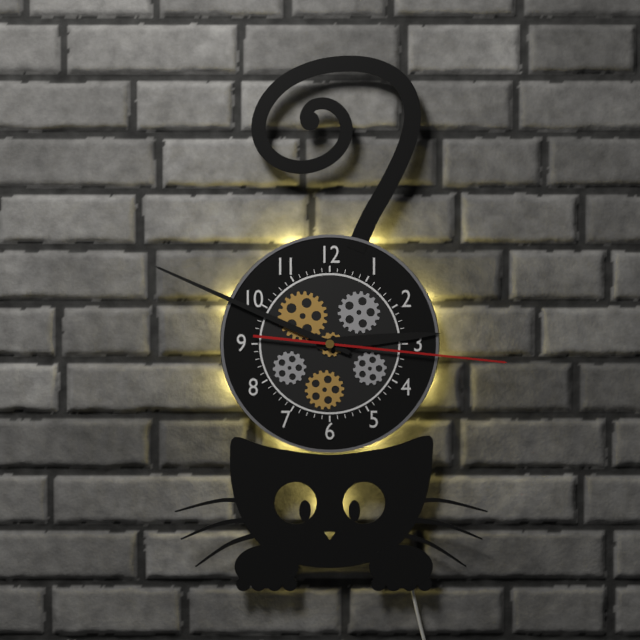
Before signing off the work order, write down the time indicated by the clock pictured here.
2:49:16
